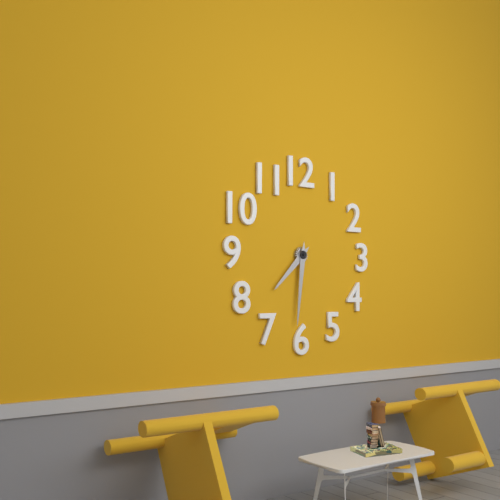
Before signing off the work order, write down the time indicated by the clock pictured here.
7:31
